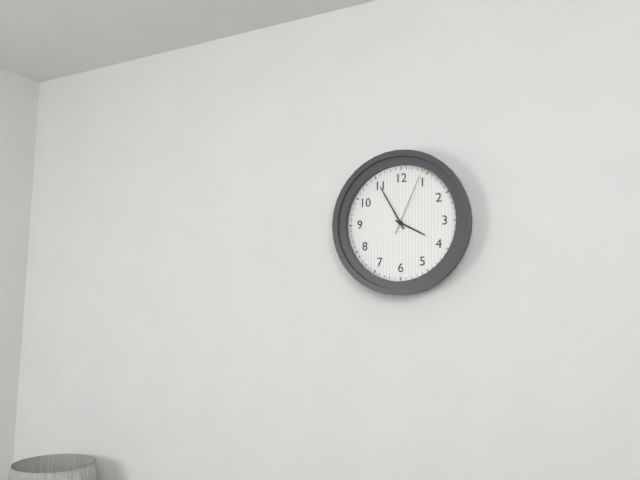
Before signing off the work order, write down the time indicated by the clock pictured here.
3:55:04
